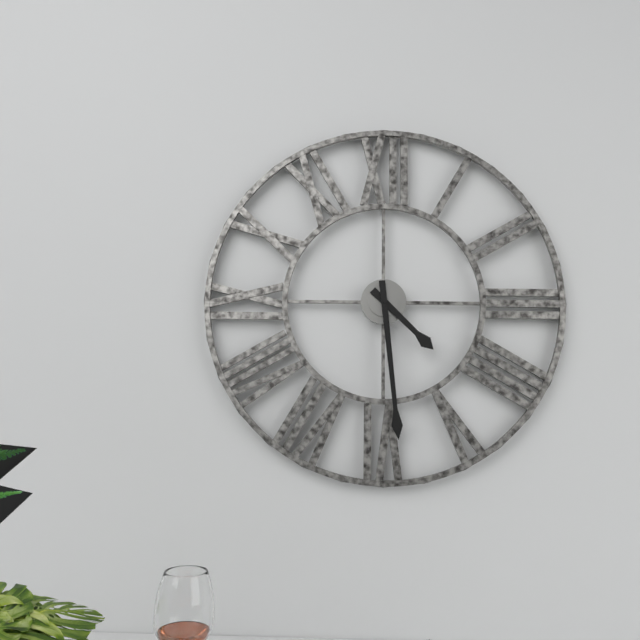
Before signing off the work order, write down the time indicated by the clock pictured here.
4:29
